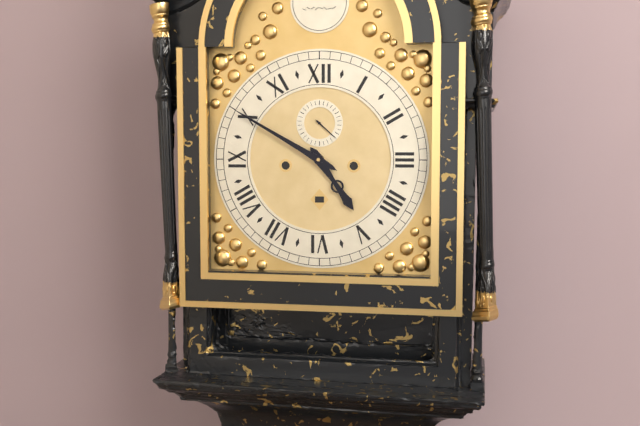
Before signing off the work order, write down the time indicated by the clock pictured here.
4:50
